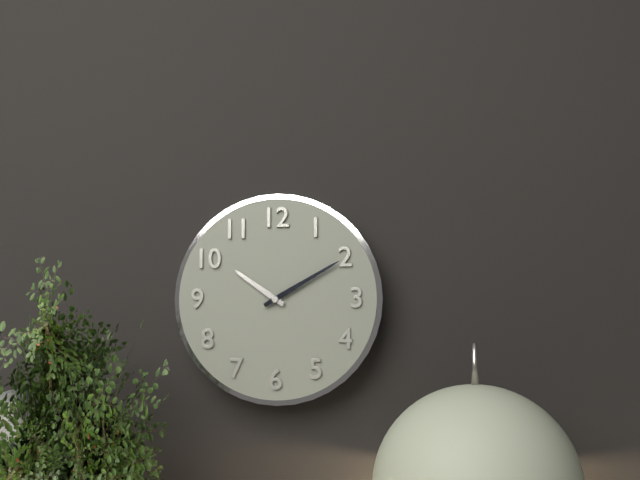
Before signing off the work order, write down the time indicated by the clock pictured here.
10:10
